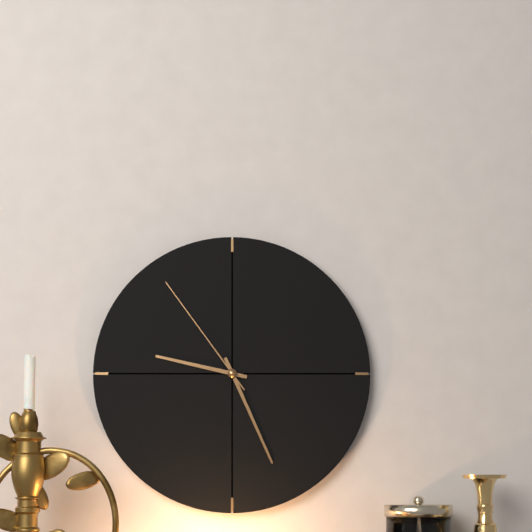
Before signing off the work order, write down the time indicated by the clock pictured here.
9:26:54
